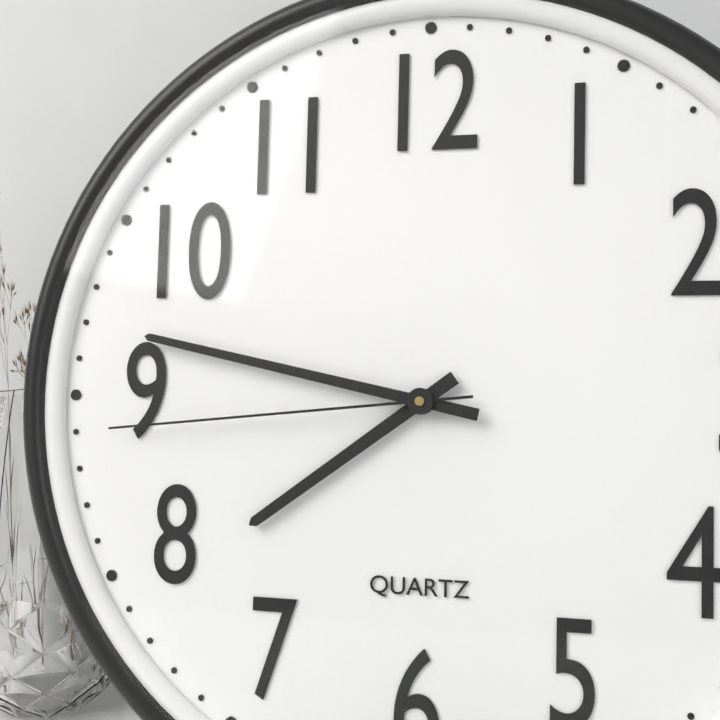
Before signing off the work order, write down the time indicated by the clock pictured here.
7:47:44
